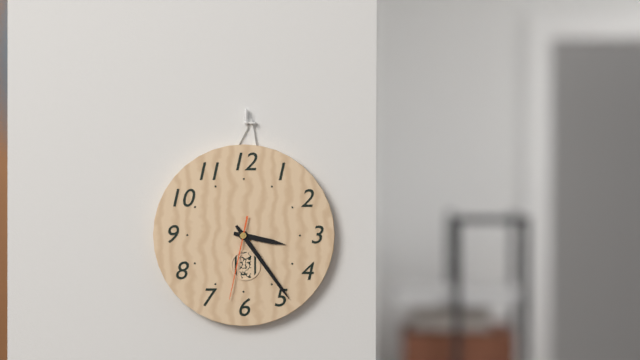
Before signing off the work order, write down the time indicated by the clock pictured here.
3:24:32
